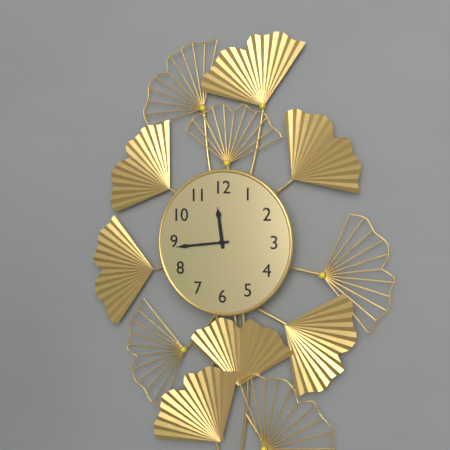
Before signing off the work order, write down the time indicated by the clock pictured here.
11:44
